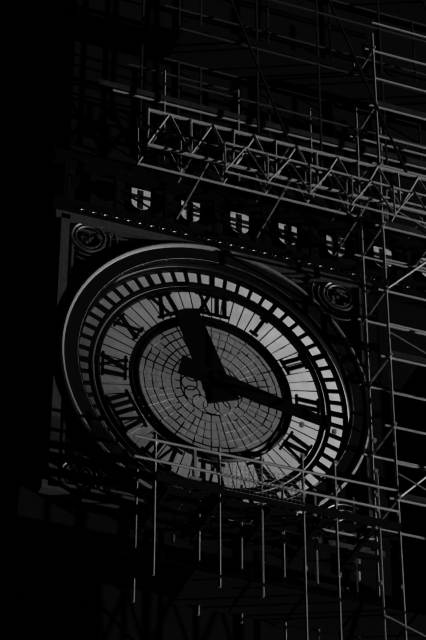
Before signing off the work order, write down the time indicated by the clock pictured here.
11:17
